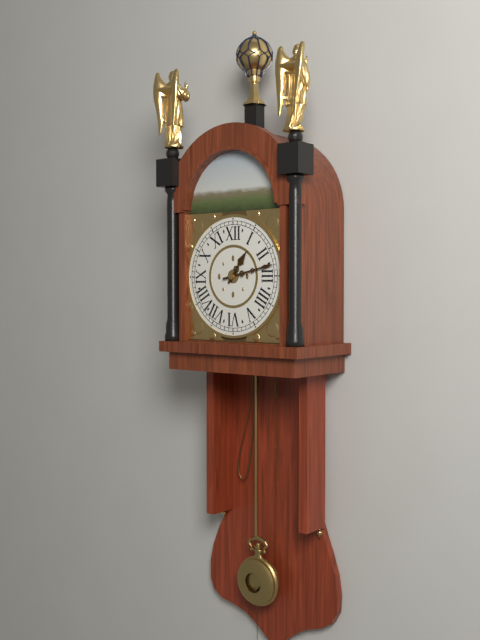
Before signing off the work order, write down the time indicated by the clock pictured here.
1:13
